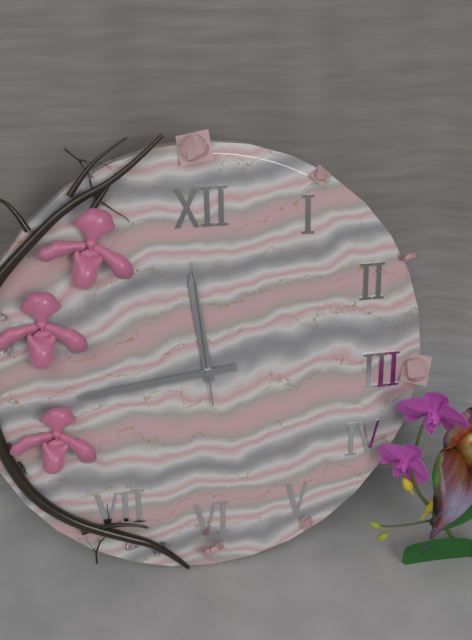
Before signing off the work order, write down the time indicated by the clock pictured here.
11:44:59
